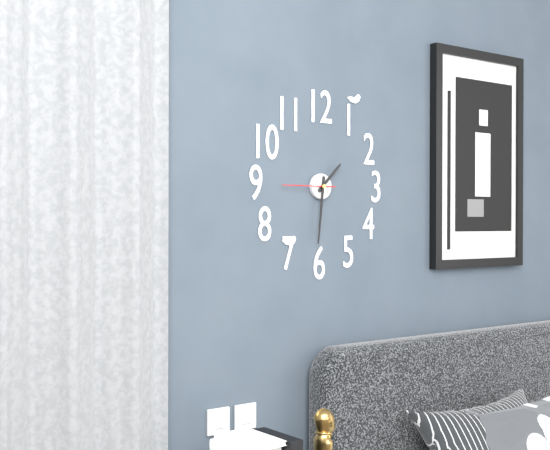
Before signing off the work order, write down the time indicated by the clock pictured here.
1:31:45
